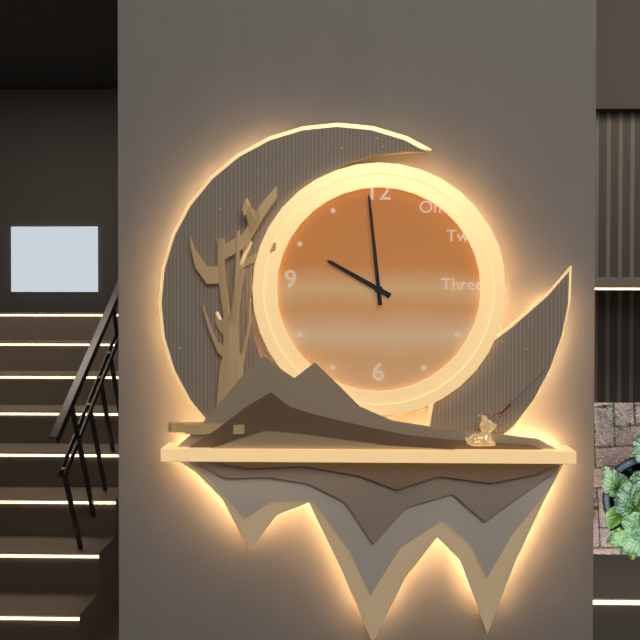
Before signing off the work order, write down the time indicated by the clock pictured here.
9:59
